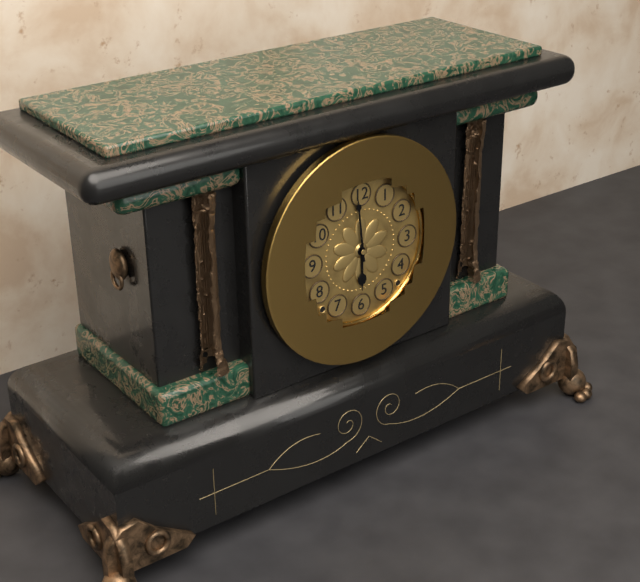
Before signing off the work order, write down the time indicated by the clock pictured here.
5:59
